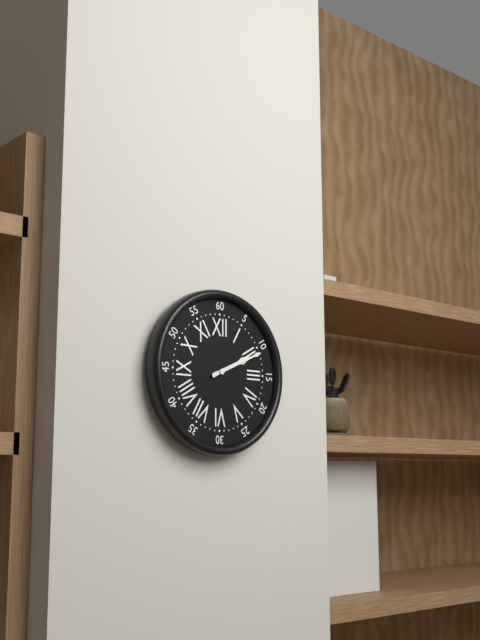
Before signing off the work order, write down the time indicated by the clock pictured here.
2:11
